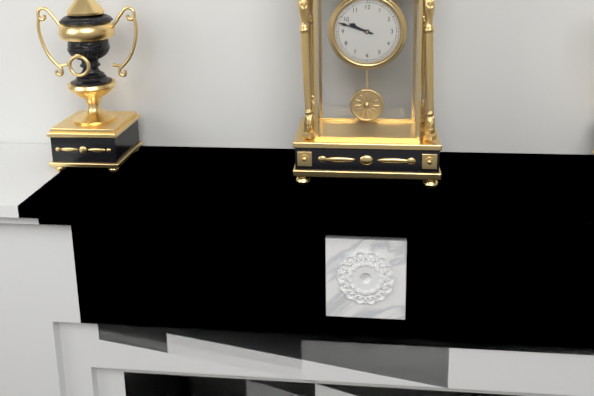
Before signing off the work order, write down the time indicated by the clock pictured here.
9:48
